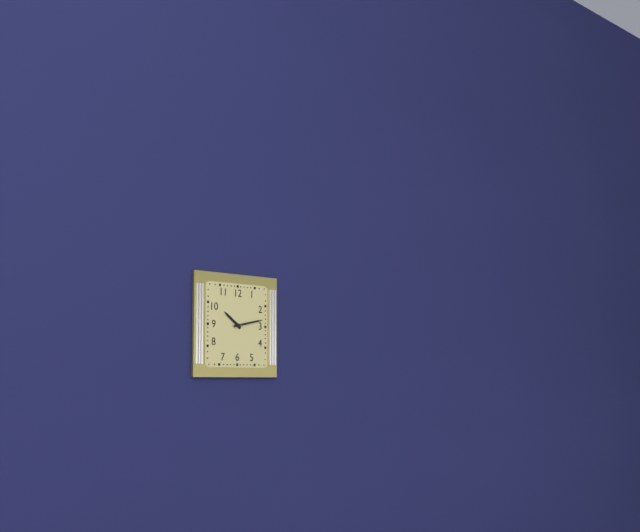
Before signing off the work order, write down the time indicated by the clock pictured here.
10:13
